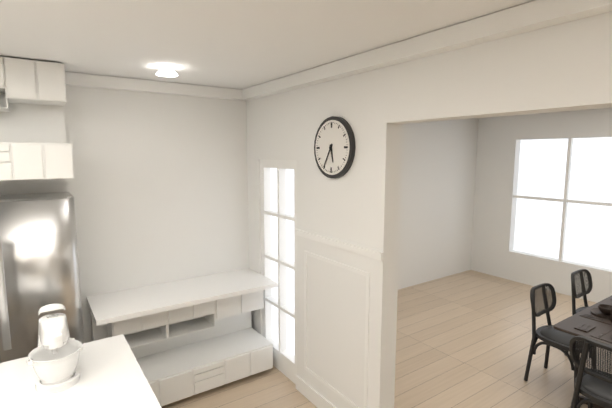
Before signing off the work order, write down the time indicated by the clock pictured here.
5:35
